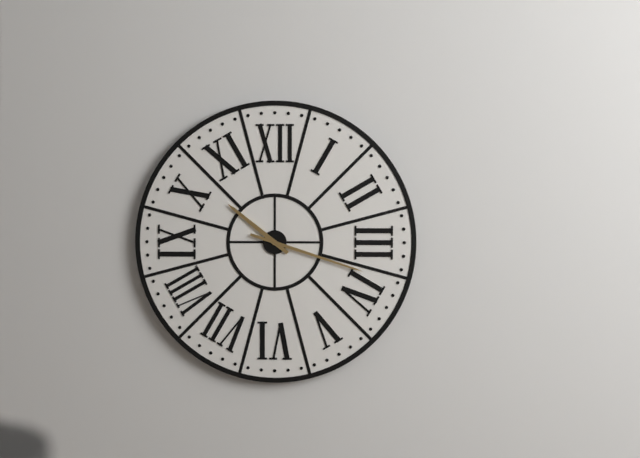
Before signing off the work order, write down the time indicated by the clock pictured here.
10:18
